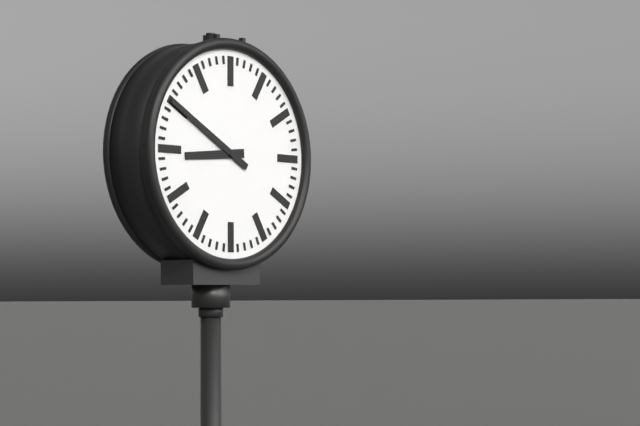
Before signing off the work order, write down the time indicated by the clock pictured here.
8:50
